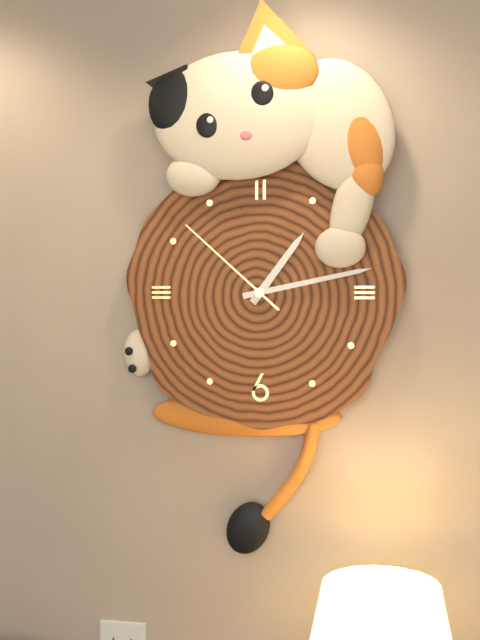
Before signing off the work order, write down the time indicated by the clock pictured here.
1:13:52
